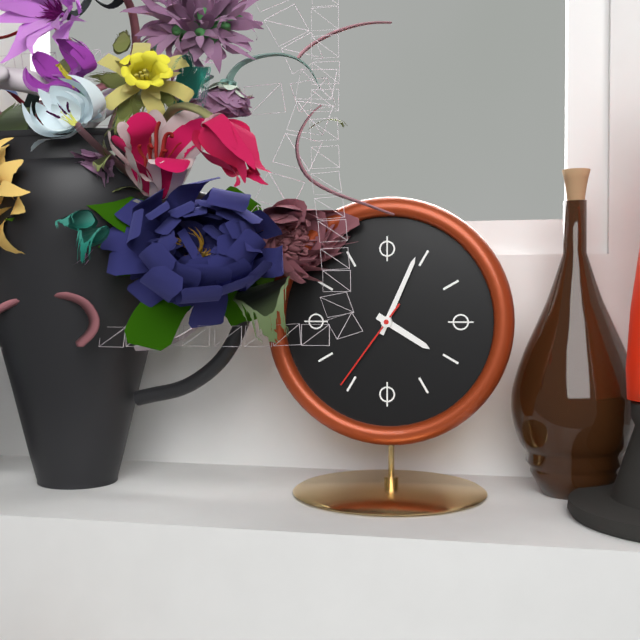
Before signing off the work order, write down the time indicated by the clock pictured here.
4:04:36
